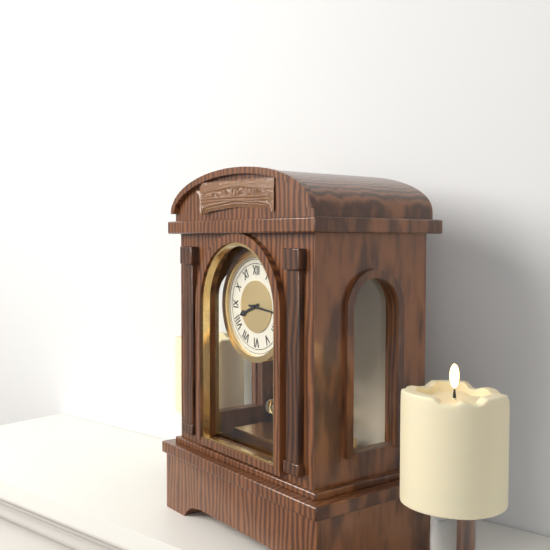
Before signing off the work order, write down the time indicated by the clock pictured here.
8:16
